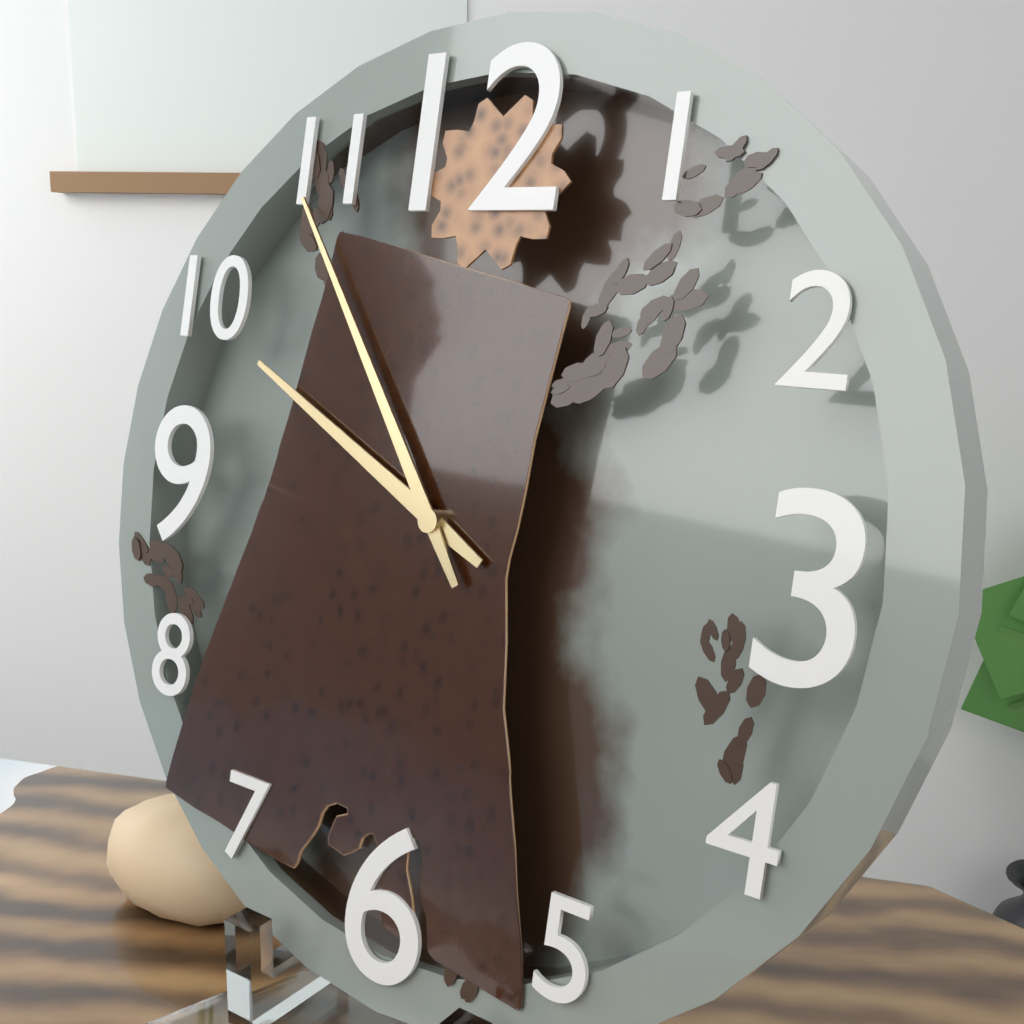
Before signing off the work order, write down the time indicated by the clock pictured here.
9:54
